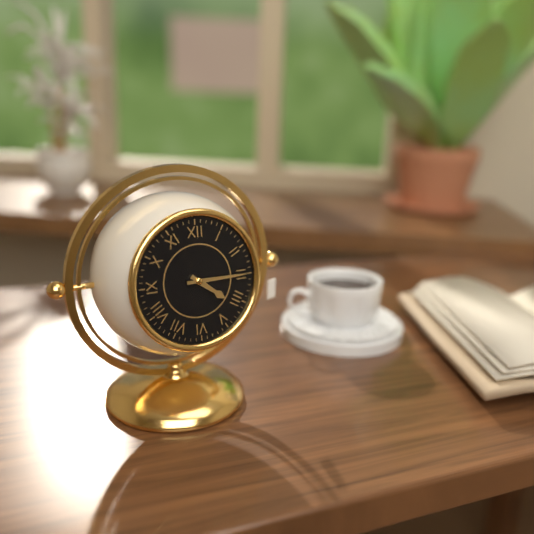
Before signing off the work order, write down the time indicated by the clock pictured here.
4:15
